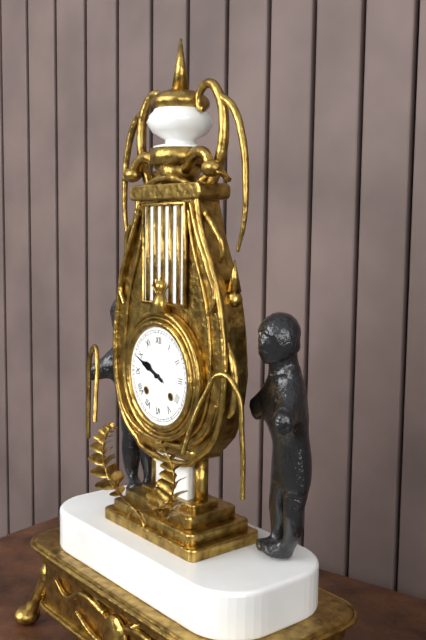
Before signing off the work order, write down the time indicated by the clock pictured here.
9:49
